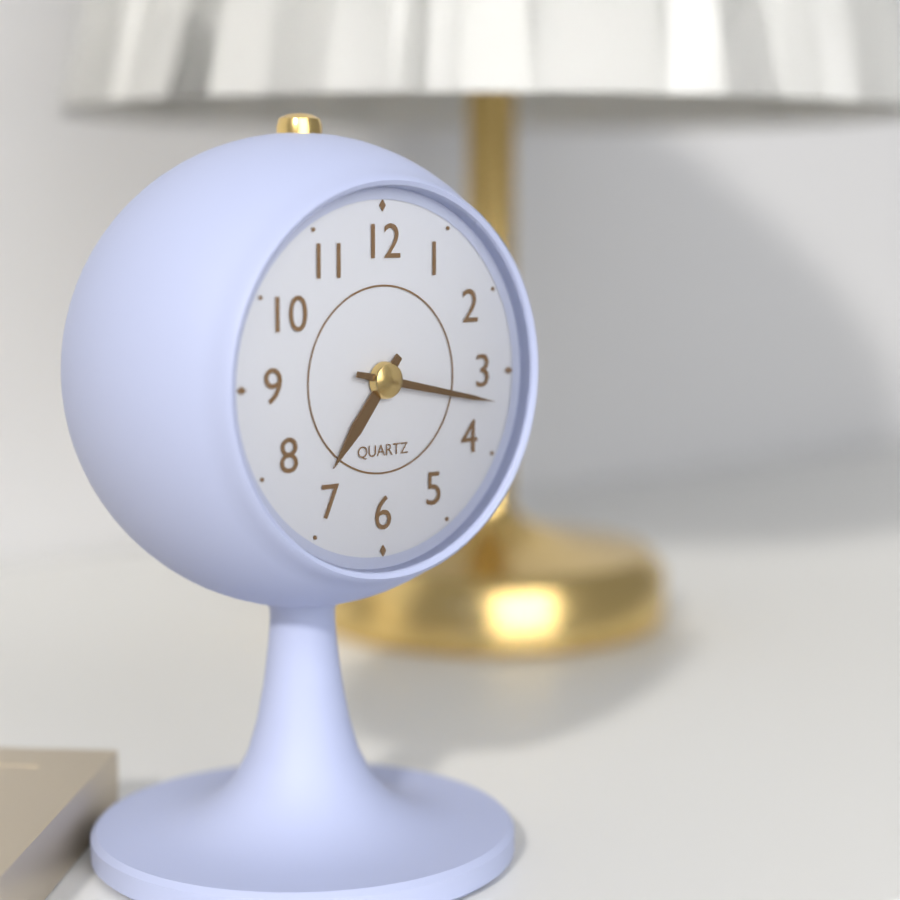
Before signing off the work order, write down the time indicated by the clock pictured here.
7:17
